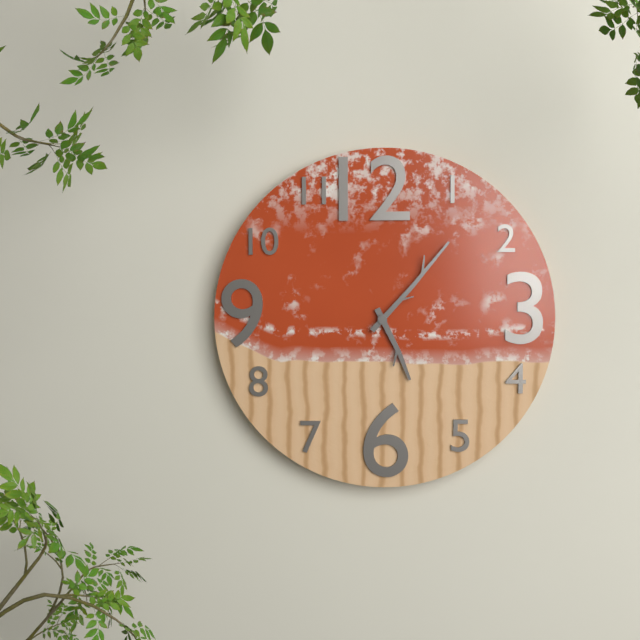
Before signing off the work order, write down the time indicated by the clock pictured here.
5:07
